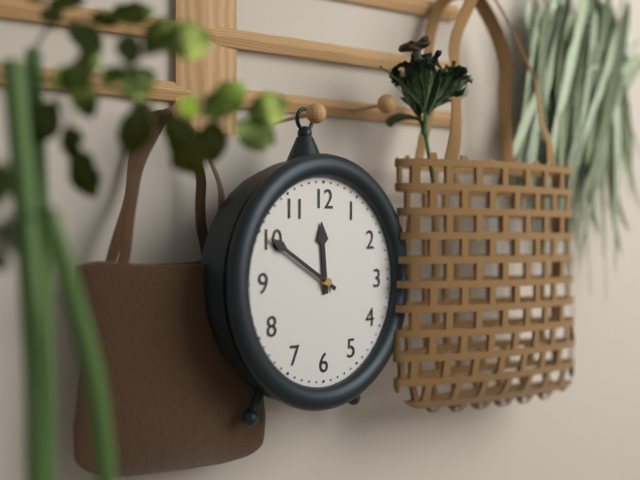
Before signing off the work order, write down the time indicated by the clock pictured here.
11:50
